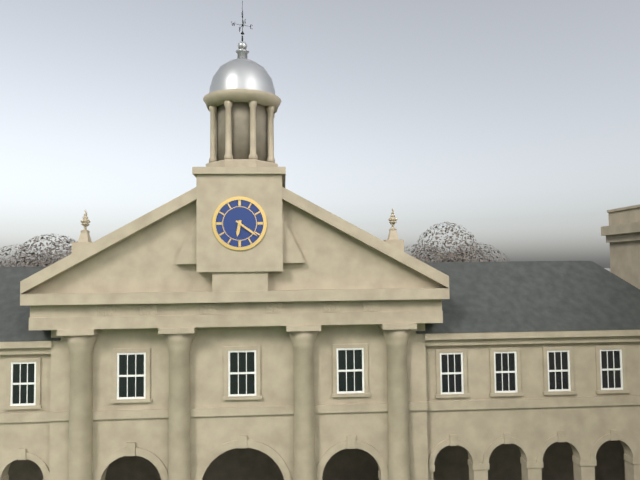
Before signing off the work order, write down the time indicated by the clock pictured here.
6:21
